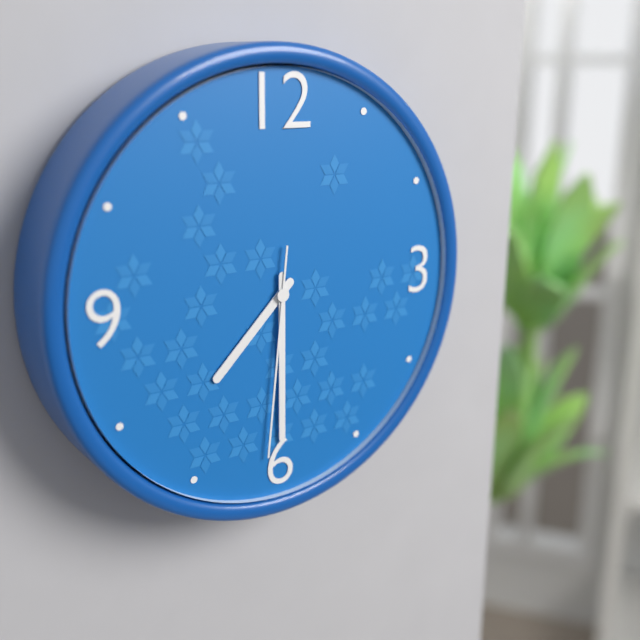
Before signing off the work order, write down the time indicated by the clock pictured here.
7:30:31
